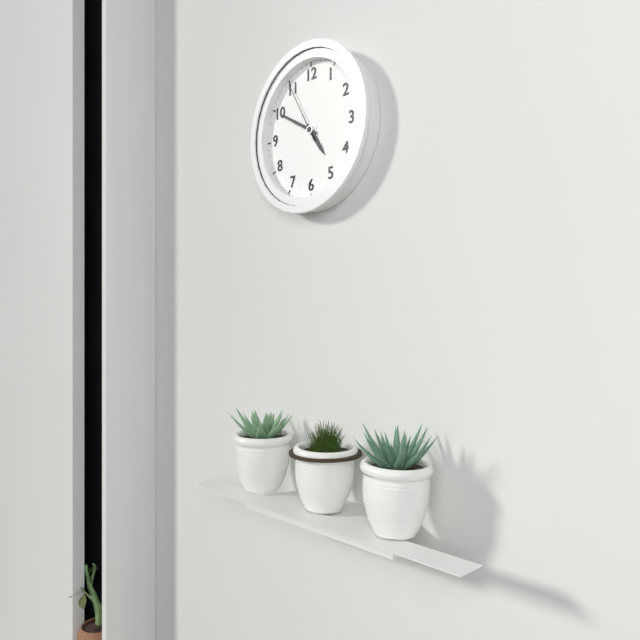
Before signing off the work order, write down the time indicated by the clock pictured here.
4:50:55
